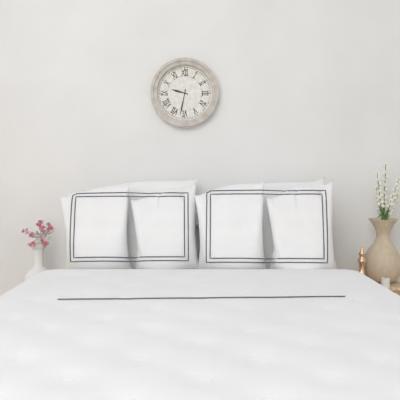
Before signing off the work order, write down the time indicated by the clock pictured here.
9:32
